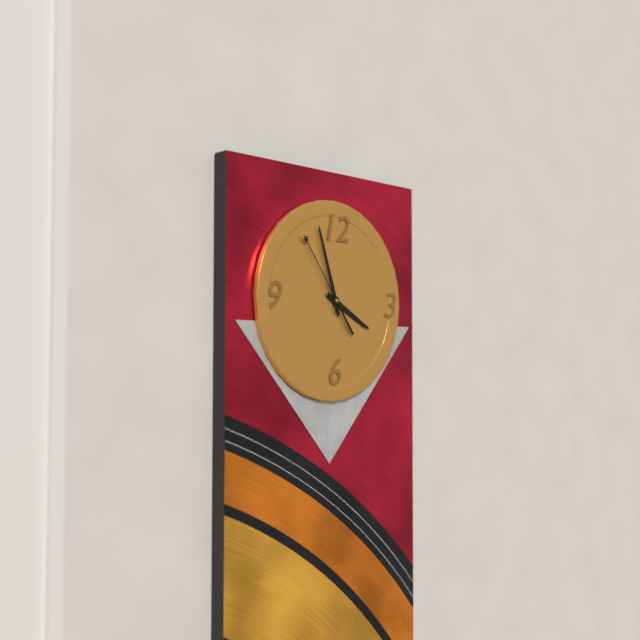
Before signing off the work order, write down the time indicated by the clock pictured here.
3:57:54
